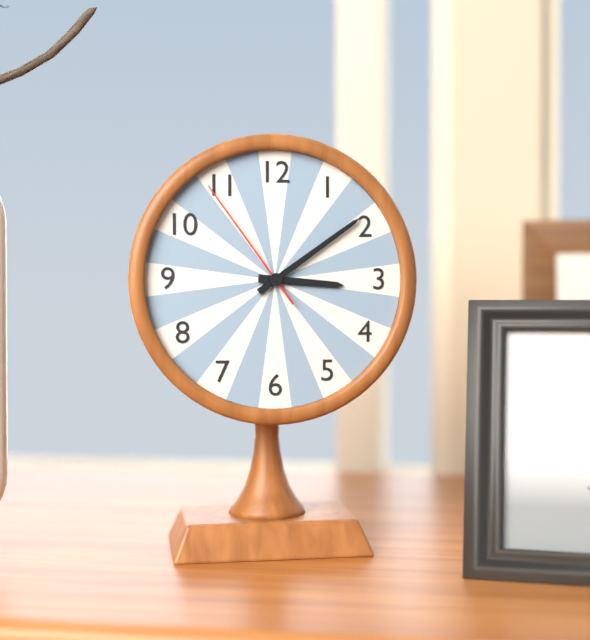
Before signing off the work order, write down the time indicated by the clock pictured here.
3:09:54
